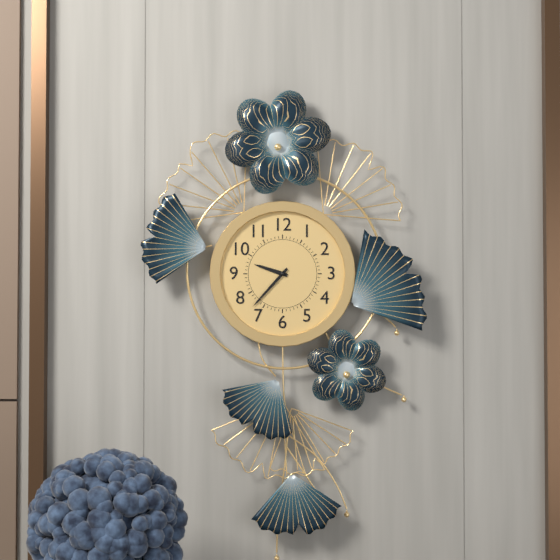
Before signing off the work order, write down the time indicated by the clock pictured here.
9:37
